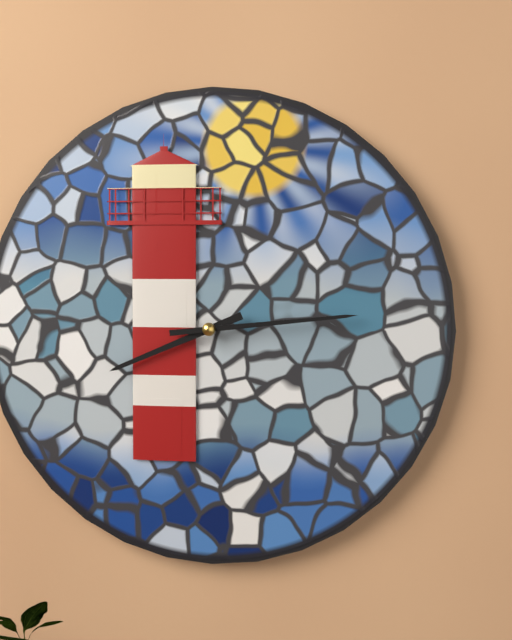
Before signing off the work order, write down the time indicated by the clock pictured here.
8:14
